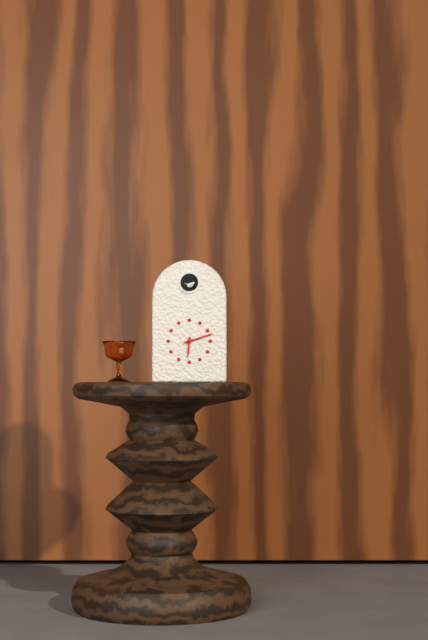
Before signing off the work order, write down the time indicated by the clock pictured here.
6:12
